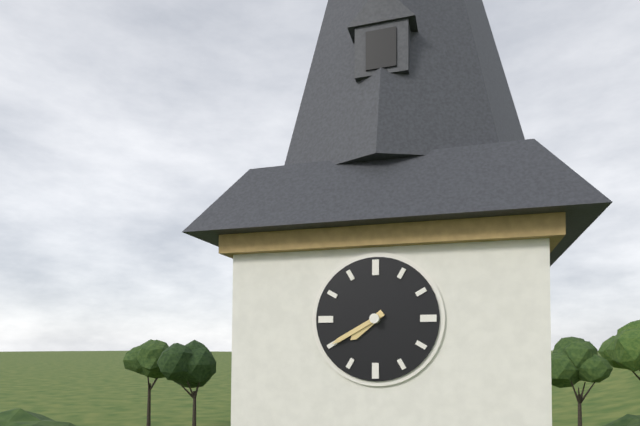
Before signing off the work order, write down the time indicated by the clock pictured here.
7:40
